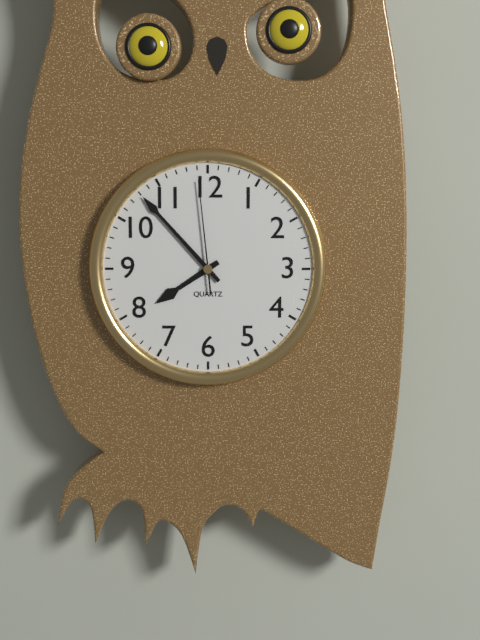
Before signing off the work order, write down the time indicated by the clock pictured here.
7:53:59
